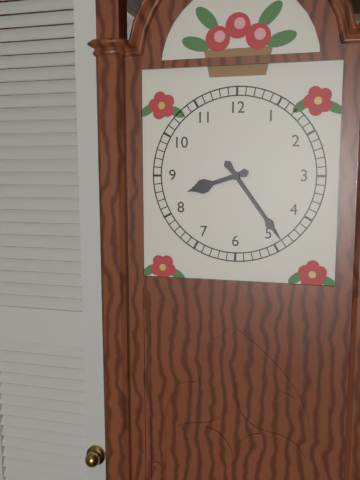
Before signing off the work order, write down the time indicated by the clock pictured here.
8:24
